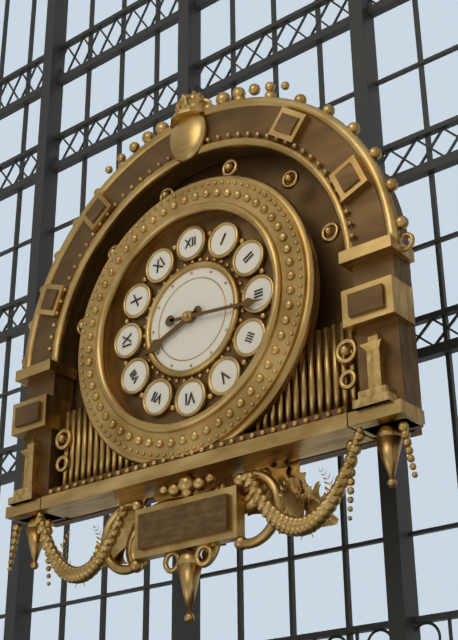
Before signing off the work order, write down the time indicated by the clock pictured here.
8:16
